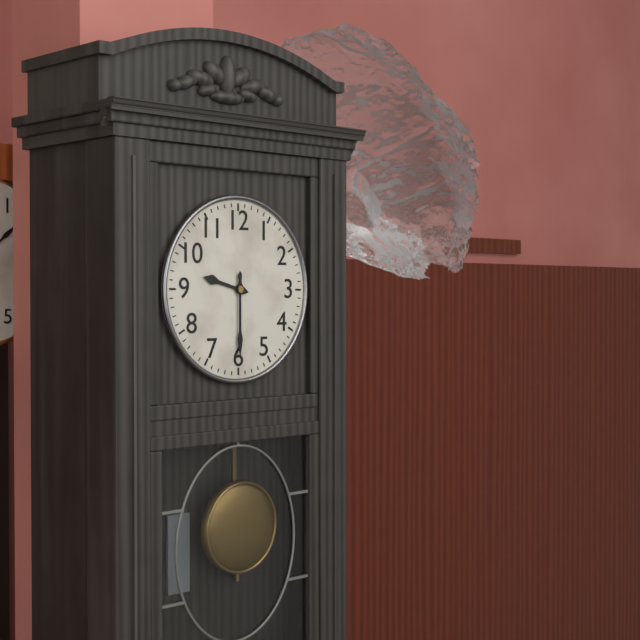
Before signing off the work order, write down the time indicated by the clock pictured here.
9:30
